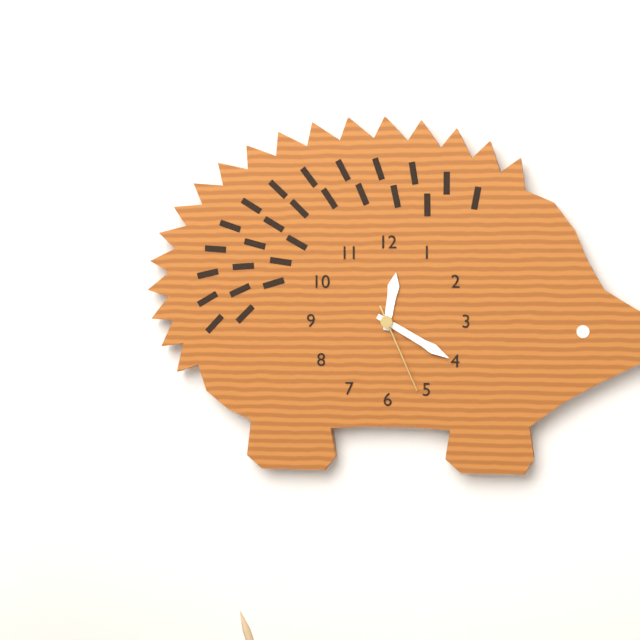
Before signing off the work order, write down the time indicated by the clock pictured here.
12:20:26
